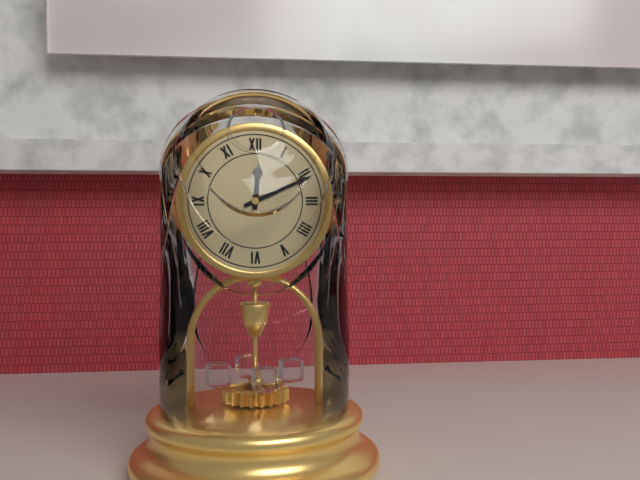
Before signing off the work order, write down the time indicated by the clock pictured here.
12:11
